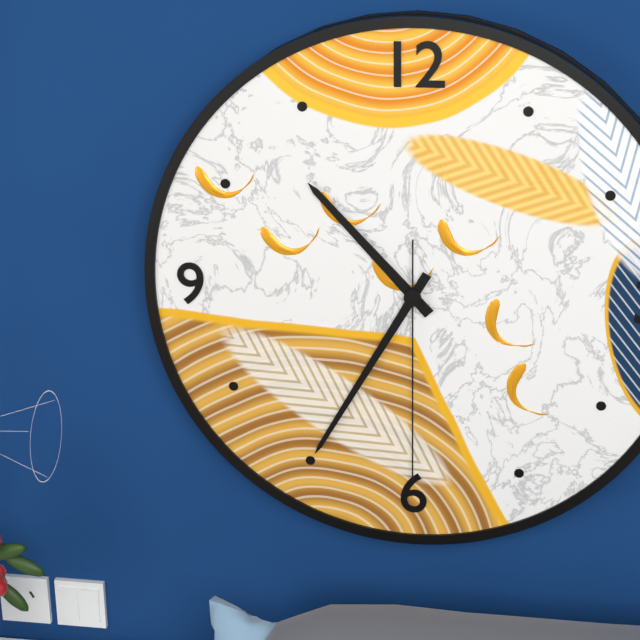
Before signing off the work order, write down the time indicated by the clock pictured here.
10:35:30
